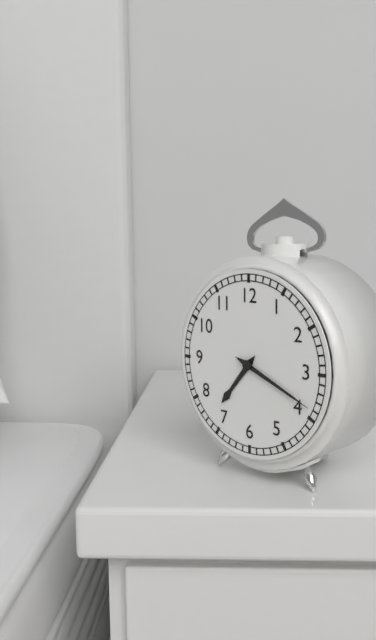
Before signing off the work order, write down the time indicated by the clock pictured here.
7:19
